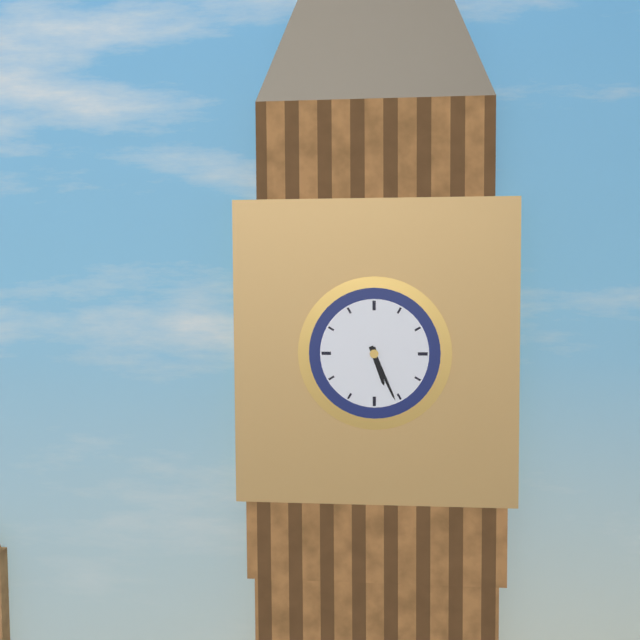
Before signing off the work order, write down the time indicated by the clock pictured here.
5:26
